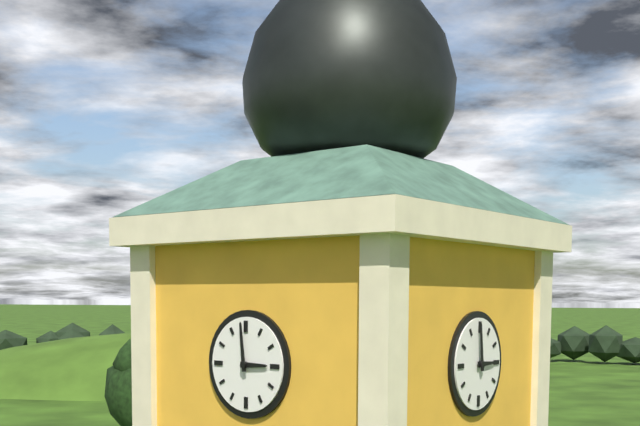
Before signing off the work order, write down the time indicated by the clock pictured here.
2:59
